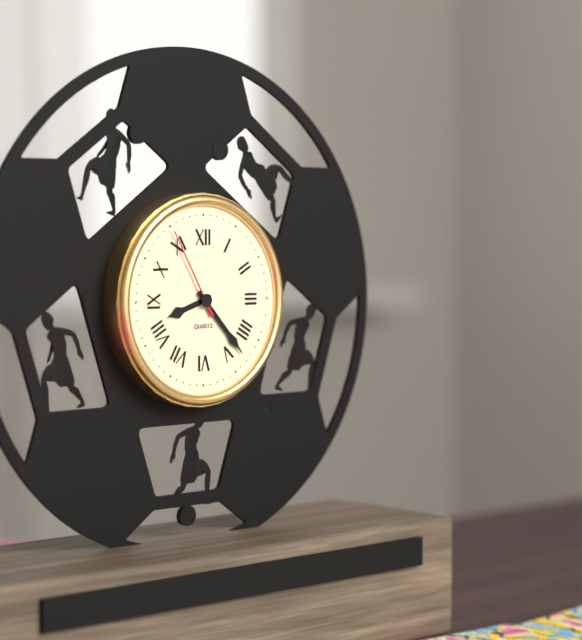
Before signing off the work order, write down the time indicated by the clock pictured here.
8:23:55
